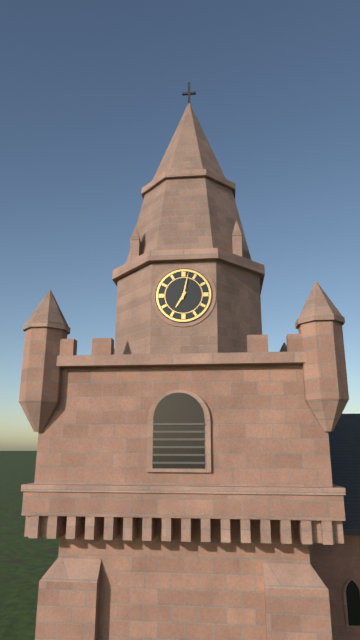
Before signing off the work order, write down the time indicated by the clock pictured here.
7:02
